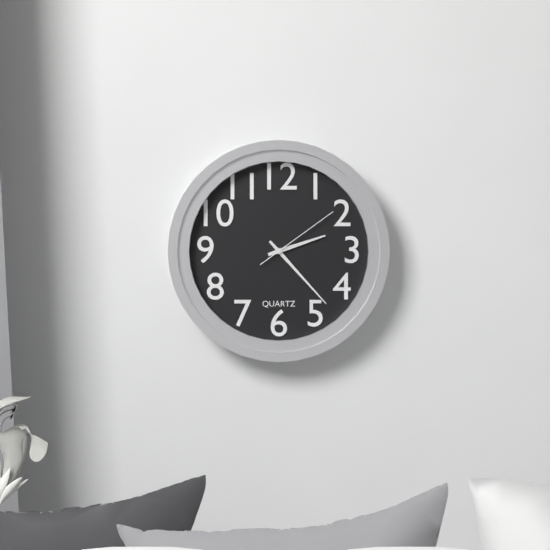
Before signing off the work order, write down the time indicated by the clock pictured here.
2:23:09
